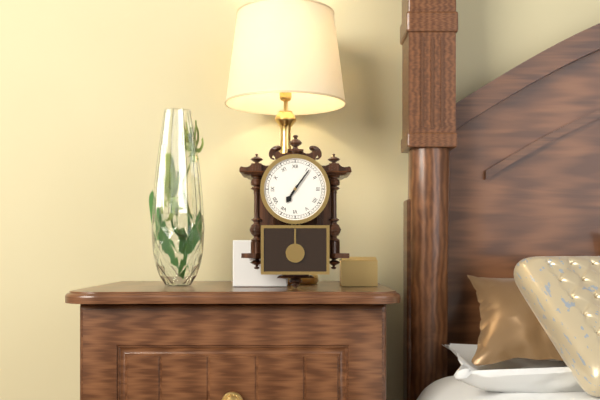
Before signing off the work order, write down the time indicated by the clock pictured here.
7:06
